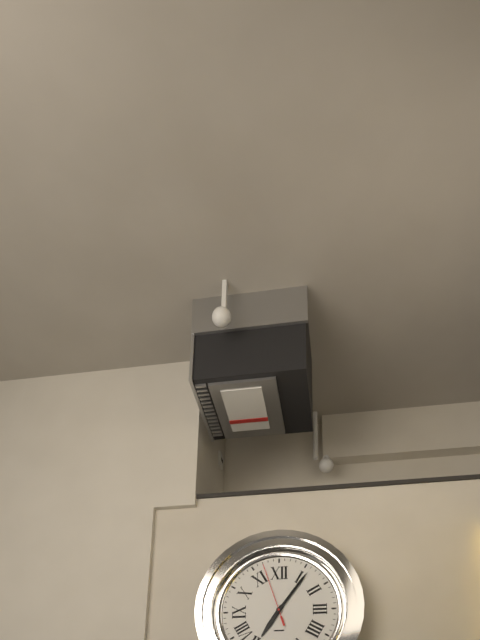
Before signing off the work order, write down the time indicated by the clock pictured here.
7:06:57
